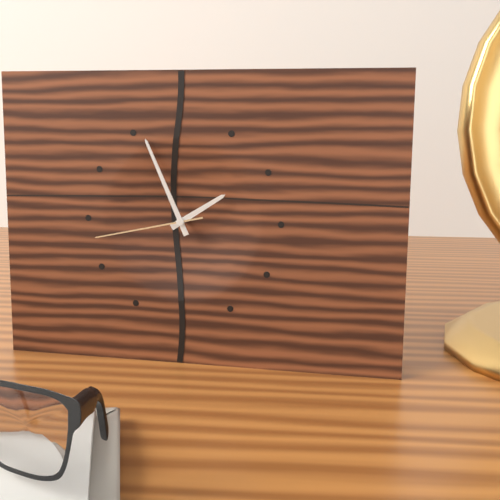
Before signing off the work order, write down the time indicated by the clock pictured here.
1:56:43
